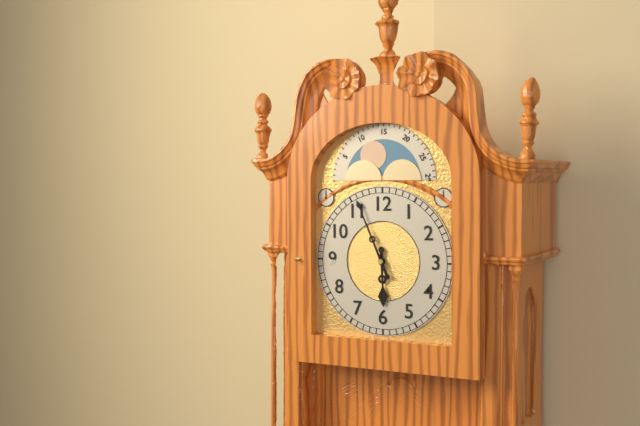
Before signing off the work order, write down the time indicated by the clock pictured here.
5:56
